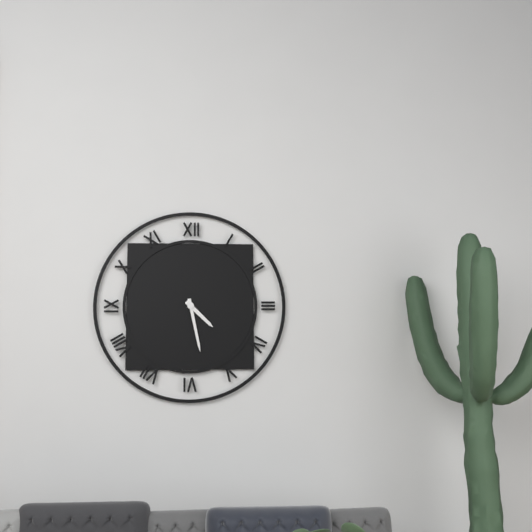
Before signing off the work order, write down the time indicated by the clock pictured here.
4:28
